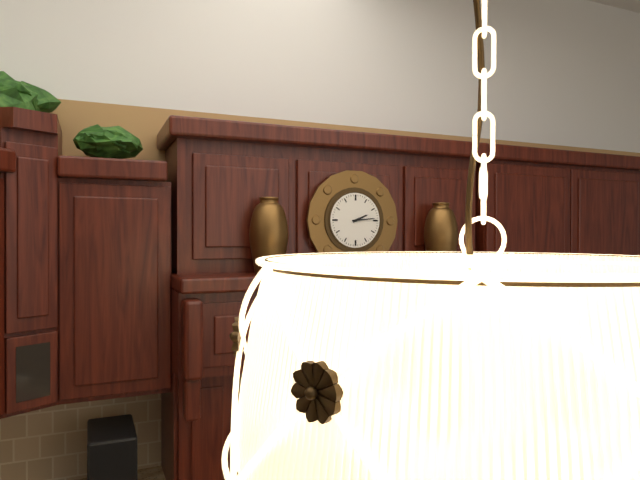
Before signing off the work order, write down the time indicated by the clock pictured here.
2:14
